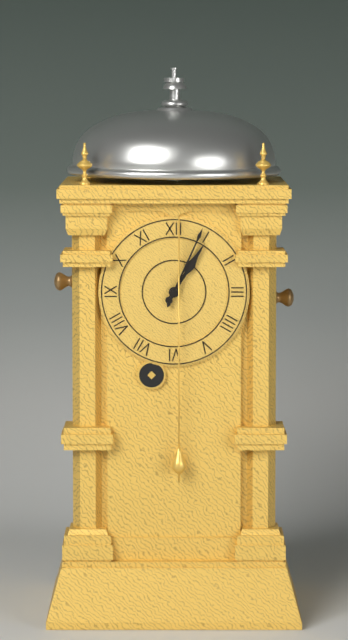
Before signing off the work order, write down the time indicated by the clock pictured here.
1:04
